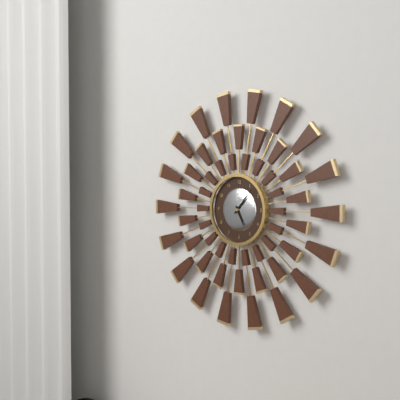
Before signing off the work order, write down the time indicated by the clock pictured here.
5:07
